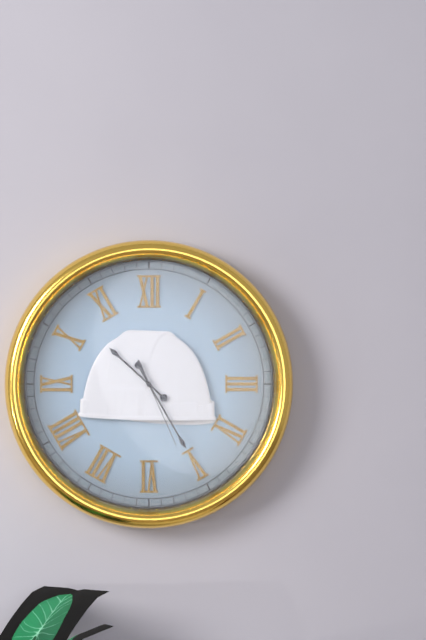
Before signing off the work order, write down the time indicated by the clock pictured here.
10:25:26
